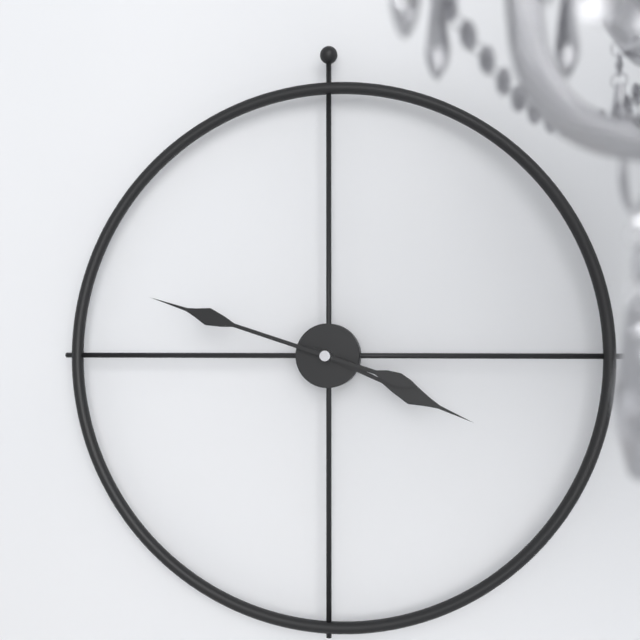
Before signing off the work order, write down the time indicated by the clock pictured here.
3:48
